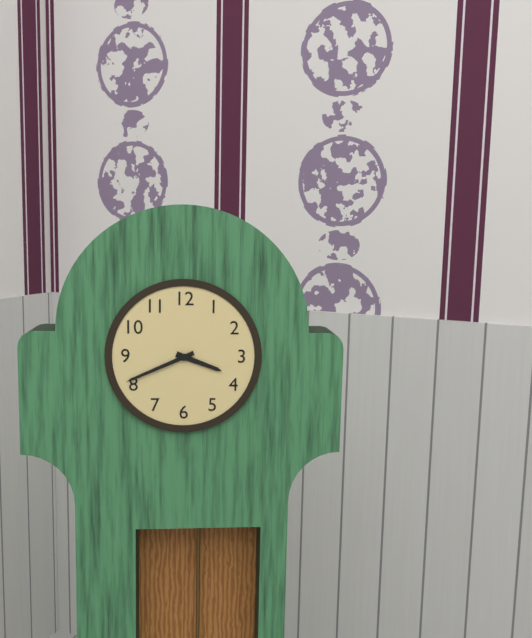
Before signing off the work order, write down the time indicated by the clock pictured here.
3:41
